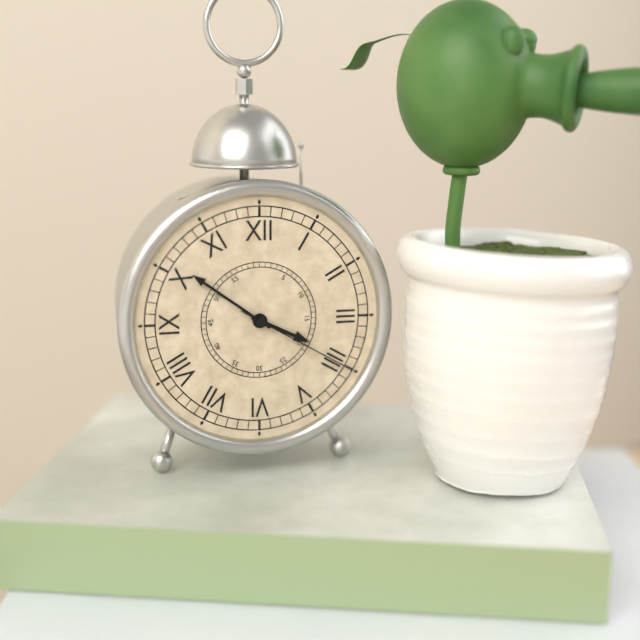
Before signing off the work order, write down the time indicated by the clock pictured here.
3:51:20
